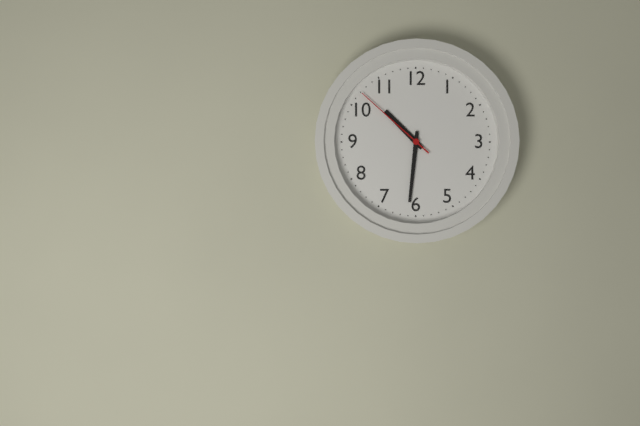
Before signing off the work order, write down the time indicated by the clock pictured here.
10:31:52
